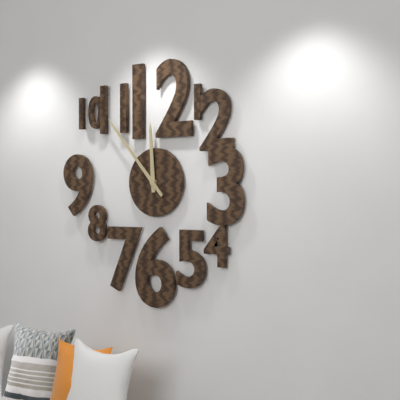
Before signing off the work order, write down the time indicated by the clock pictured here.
11:53
